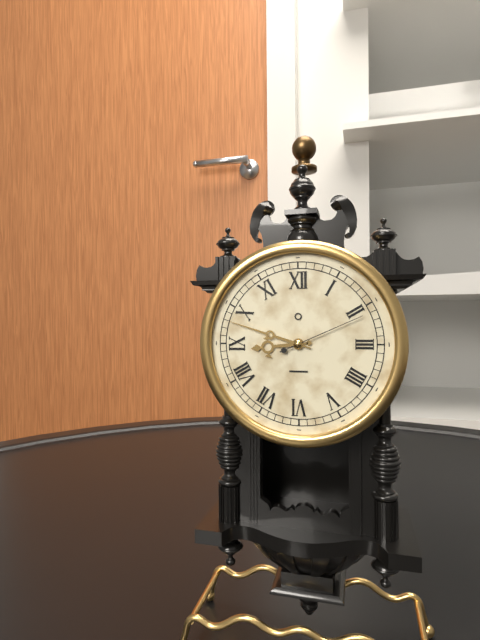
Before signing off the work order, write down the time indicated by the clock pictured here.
8:48:11
